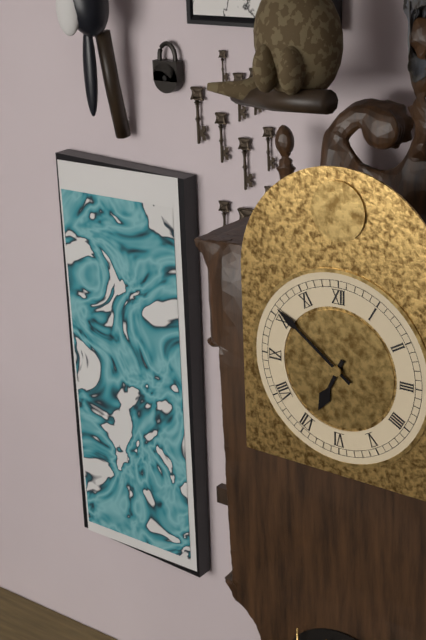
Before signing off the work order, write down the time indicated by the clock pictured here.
6:51
